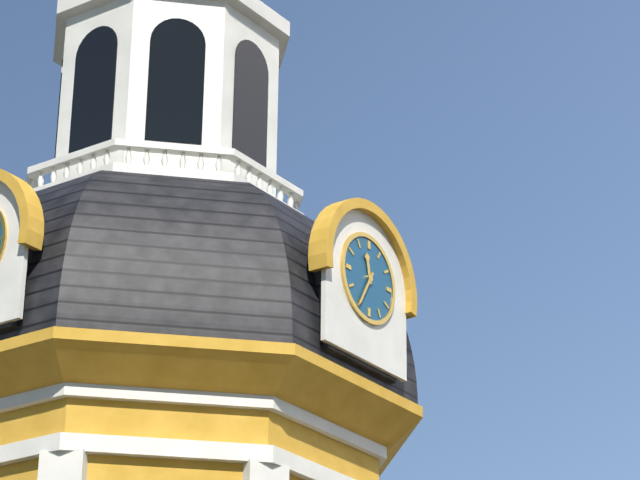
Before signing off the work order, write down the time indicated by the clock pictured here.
11:35
